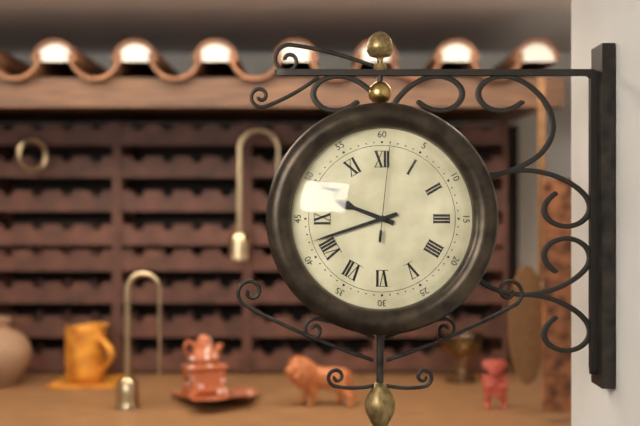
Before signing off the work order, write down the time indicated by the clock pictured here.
9:42:01
